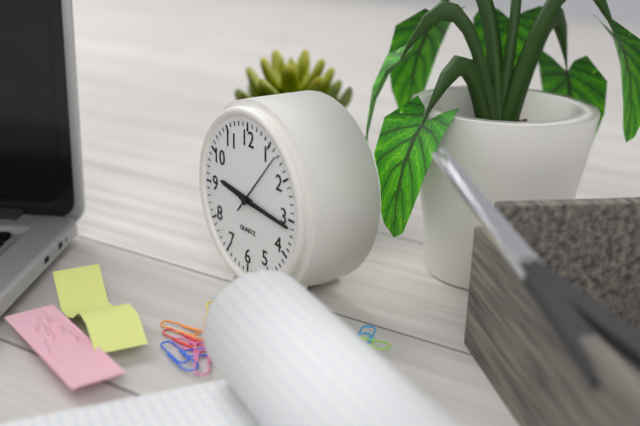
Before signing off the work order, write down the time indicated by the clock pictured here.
9:16:07
